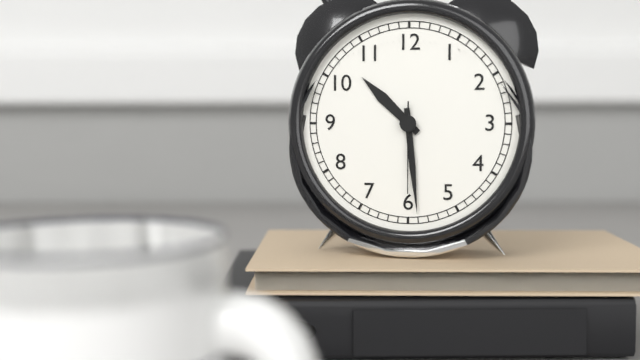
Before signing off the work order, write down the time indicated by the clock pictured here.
10:29:30
